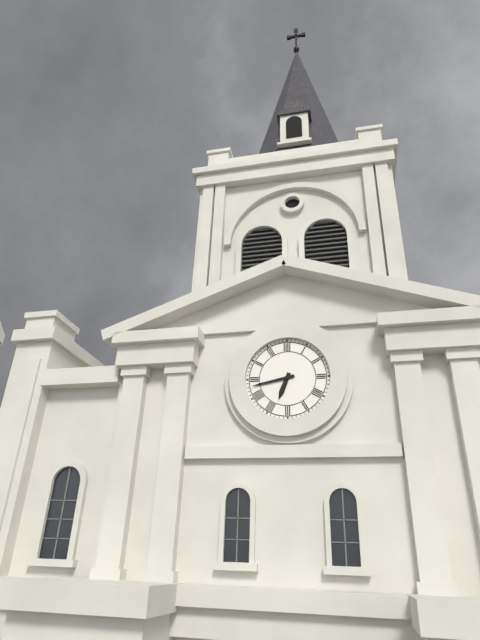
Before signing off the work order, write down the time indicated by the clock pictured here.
6:43
